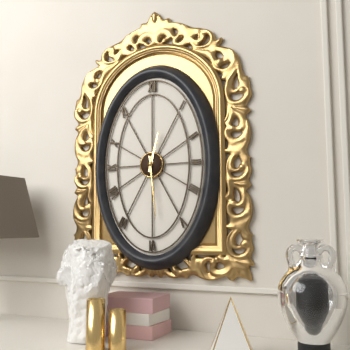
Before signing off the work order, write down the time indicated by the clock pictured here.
12:29
